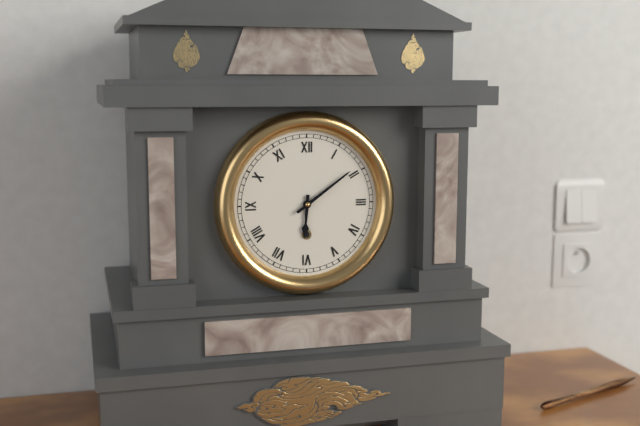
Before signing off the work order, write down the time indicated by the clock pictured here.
6:09
